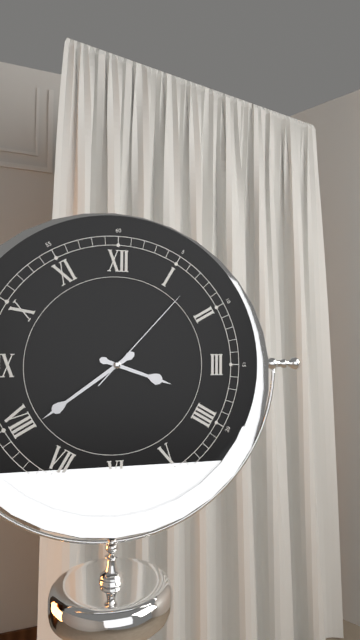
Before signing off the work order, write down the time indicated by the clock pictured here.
3:39:07
